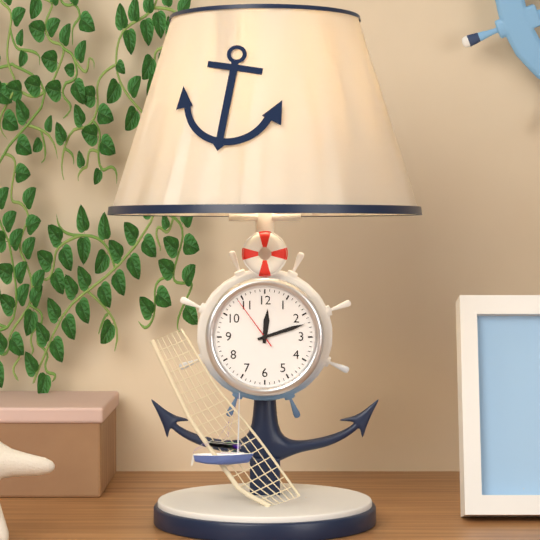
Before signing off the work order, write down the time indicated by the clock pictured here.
12:12:54
